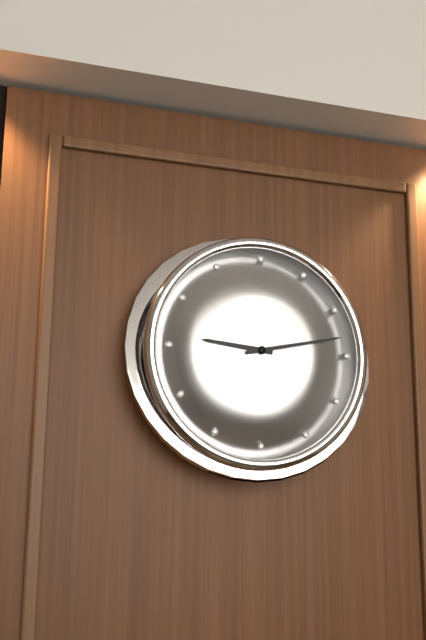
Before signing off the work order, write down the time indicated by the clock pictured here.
9:13
